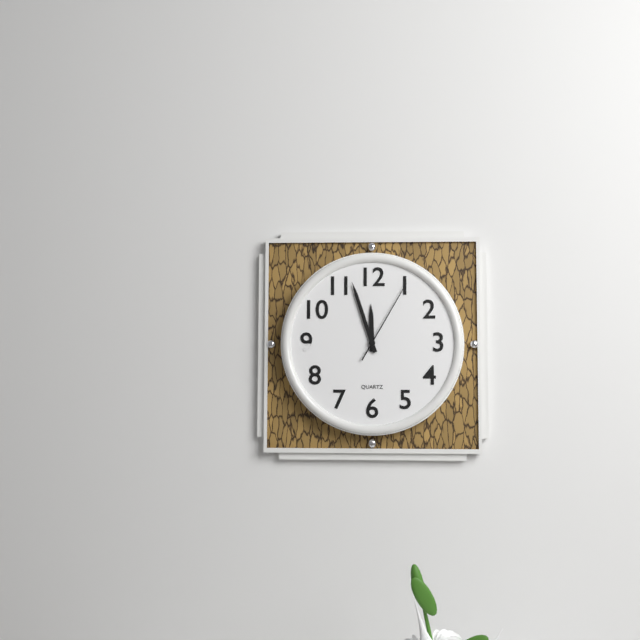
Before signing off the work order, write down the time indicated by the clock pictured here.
11:57:05
